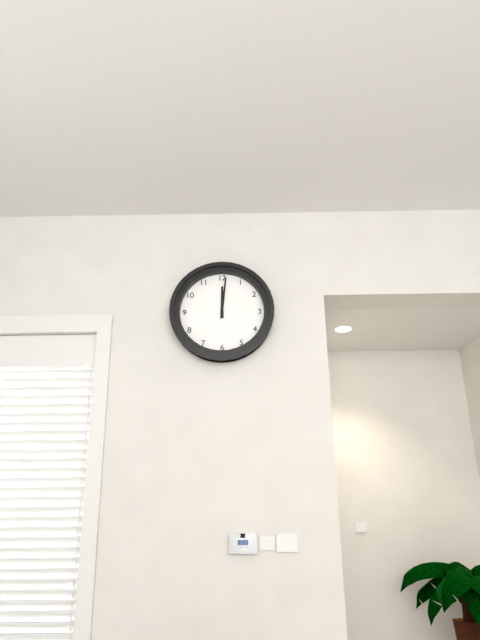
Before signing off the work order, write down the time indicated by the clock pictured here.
12:01
